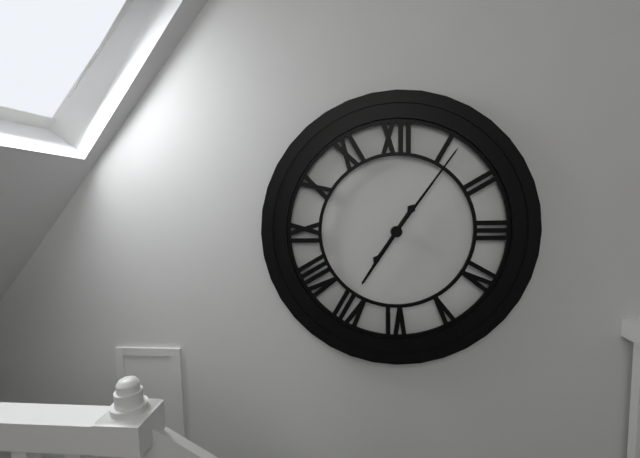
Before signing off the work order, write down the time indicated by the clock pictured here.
7:06
